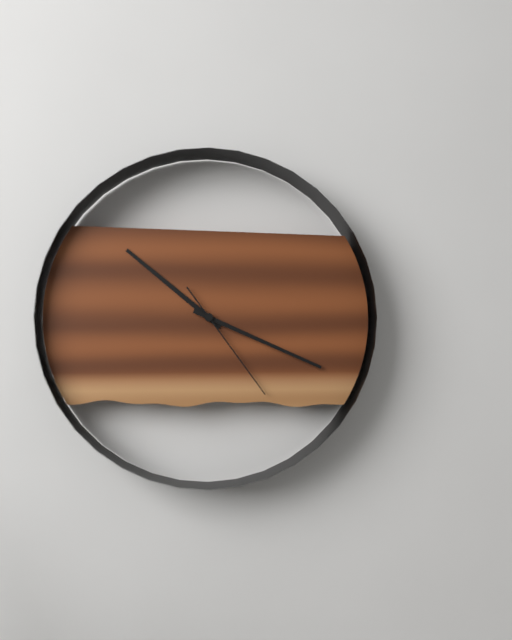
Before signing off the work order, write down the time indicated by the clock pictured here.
10:19:24
